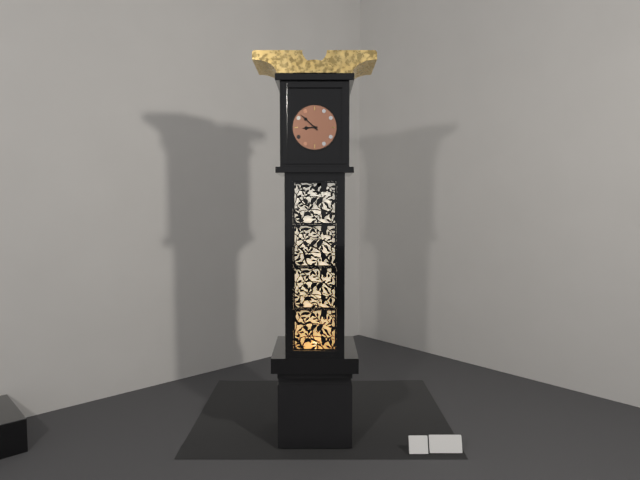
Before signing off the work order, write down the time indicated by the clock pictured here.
8:52
